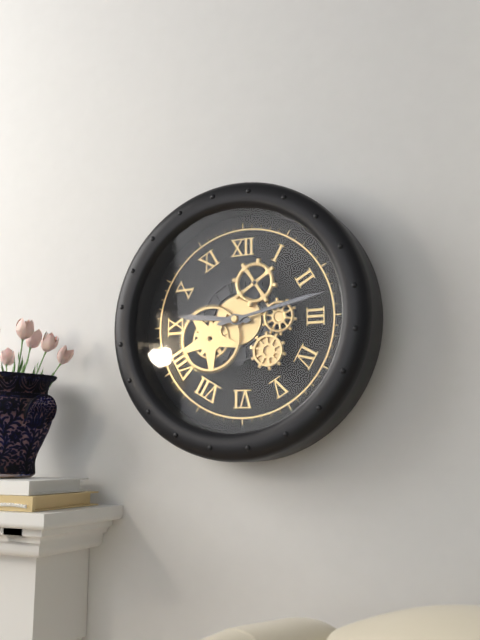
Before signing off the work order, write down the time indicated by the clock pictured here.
9:13
